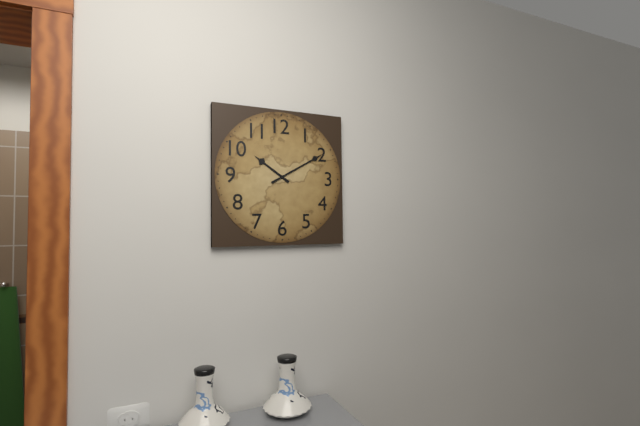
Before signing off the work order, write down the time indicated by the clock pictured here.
10:10
